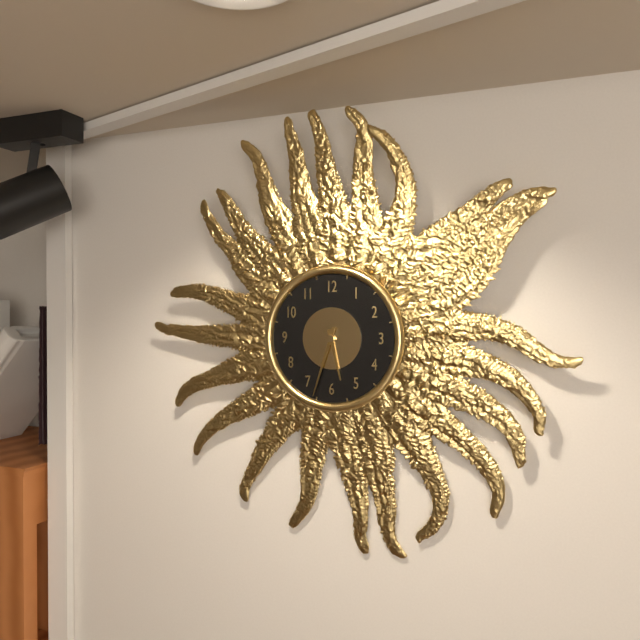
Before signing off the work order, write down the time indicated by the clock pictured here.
5:33
